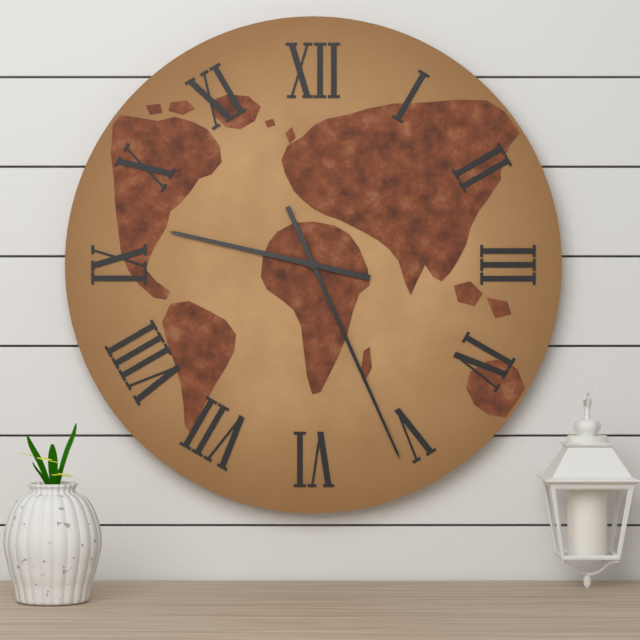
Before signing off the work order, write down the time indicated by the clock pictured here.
9:26
